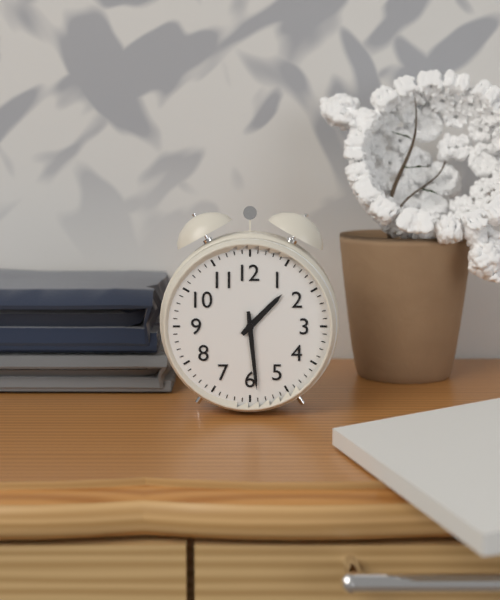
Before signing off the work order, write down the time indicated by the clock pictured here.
1:29
